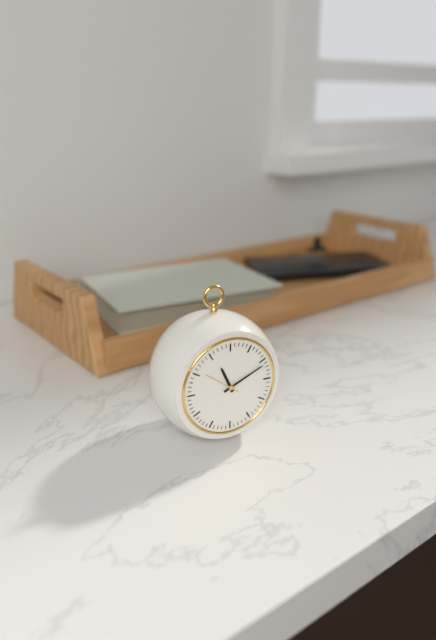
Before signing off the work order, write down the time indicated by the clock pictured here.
11:11
